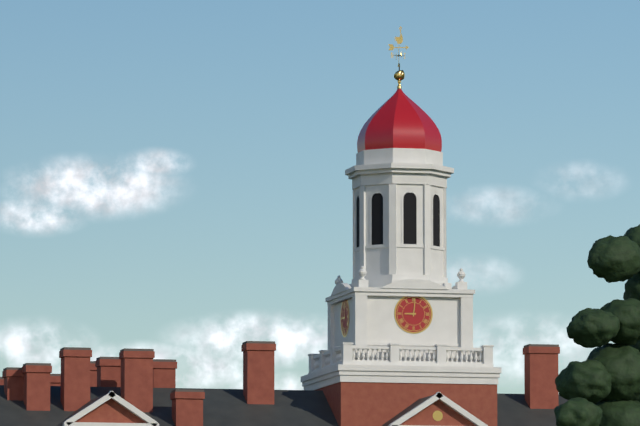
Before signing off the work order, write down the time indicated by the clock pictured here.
9:01
